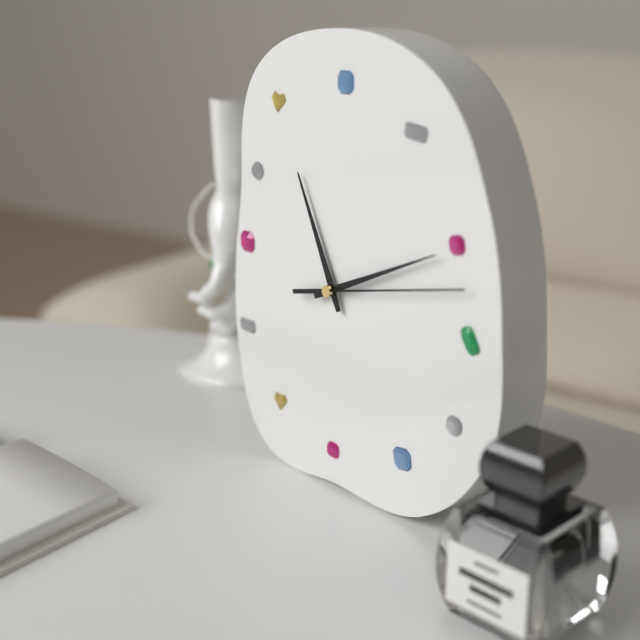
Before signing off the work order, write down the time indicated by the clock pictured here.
11:11:13
